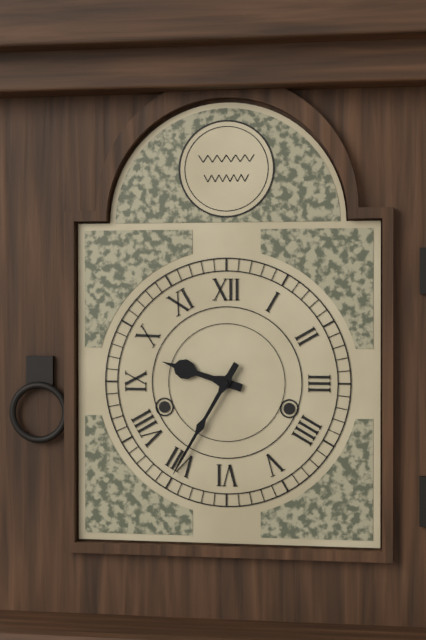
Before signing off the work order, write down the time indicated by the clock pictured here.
9:35
